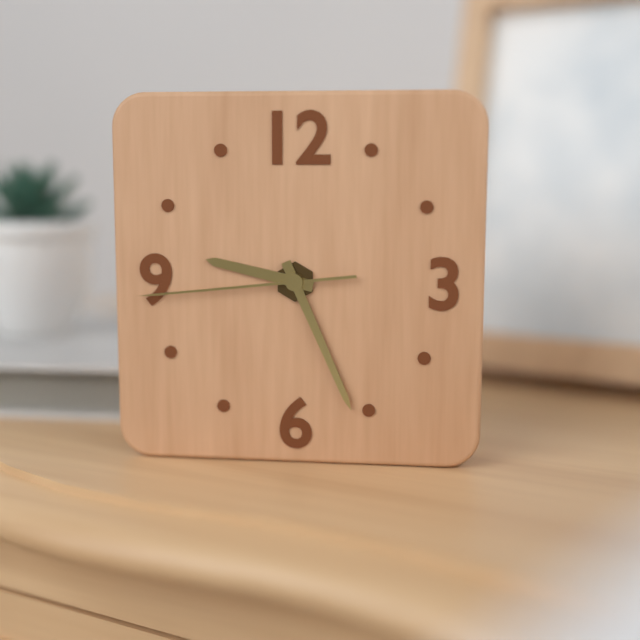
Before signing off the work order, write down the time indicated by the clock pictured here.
9:26:44
